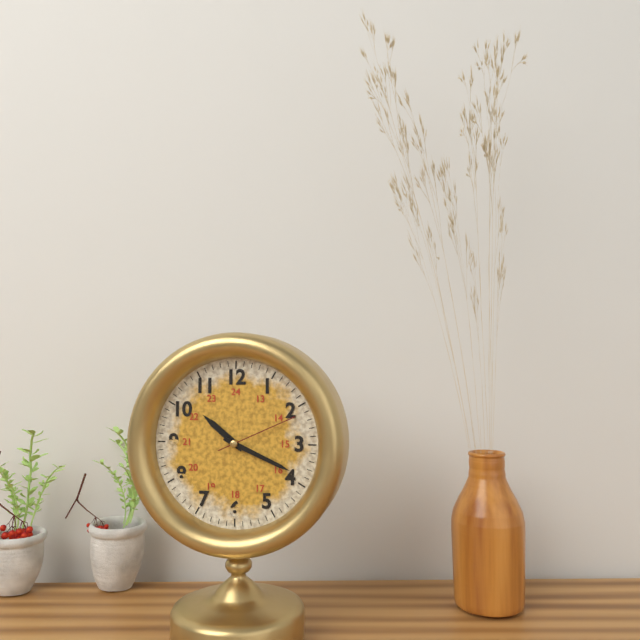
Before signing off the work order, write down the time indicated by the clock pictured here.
10:19:11
